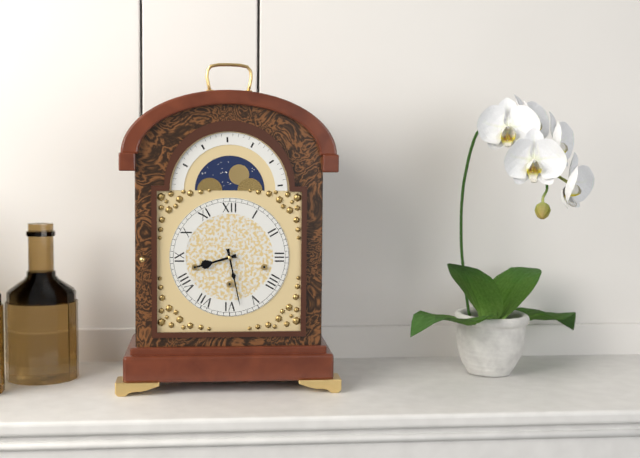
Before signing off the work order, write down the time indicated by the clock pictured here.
8:28
